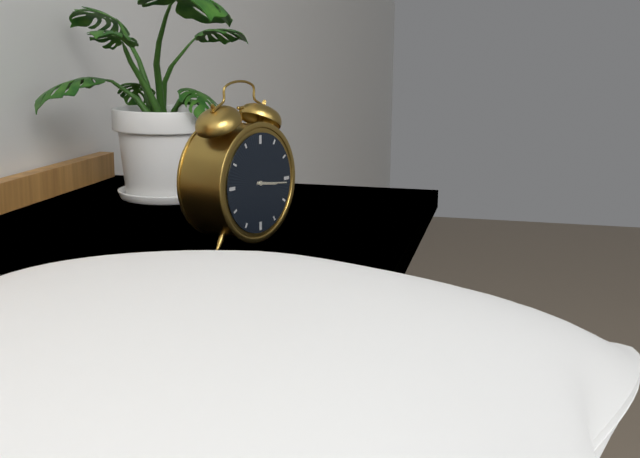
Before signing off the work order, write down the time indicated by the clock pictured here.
3:16
